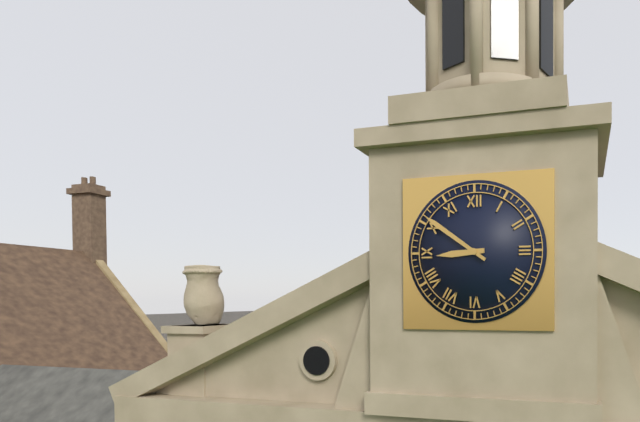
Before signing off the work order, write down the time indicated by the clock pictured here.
8:51
